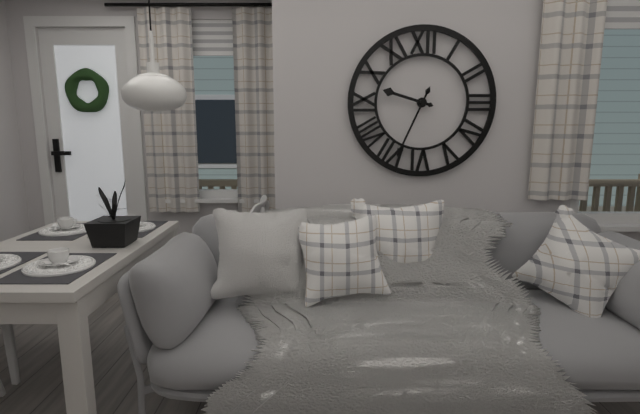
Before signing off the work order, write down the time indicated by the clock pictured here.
9:34
